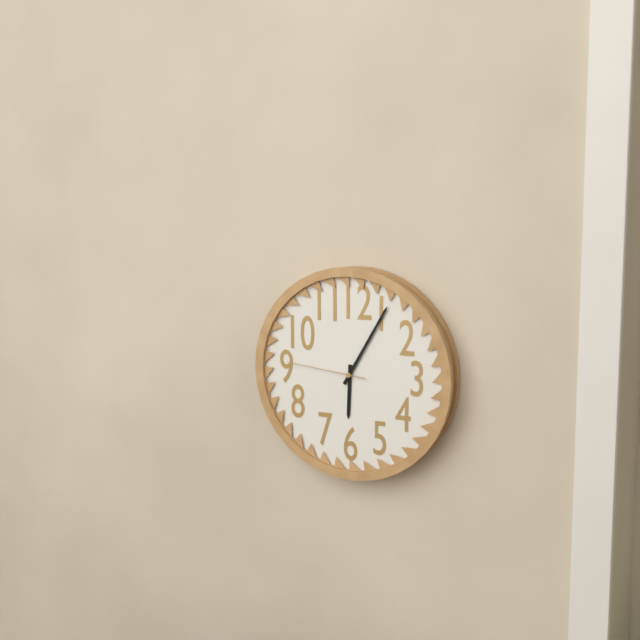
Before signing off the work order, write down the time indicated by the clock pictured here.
6:05:46
